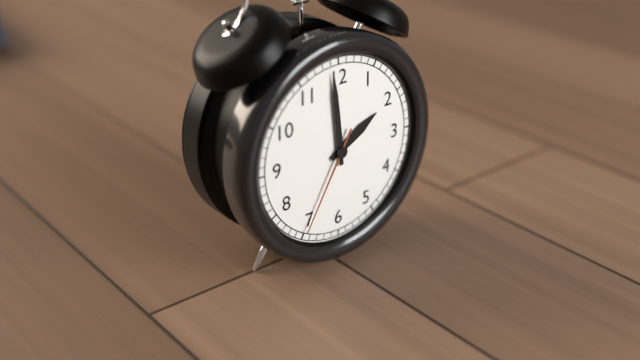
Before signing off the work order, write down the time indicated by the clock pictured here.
1:59:35
